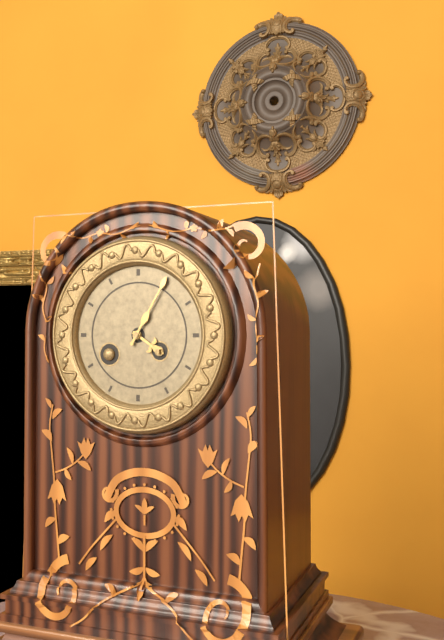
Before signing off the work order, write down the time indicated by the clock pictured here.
4:05
